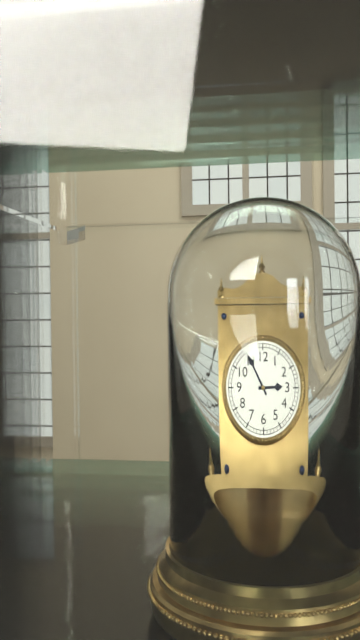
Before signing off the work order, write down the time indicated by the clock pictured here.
2:55
